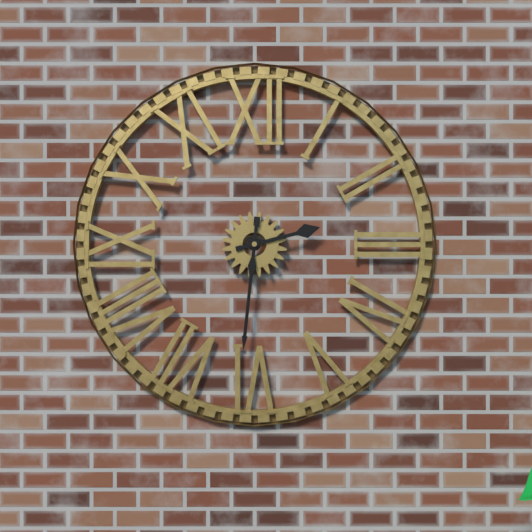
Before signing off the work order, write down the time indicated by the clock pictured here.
2:31
